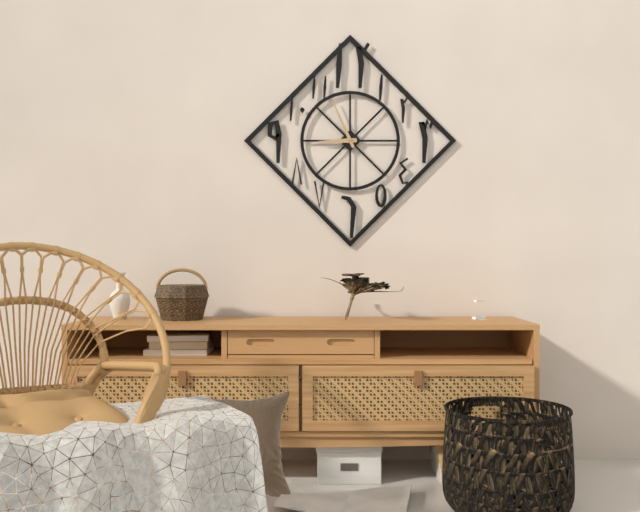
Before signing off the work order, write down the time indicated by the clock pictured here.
8:56
